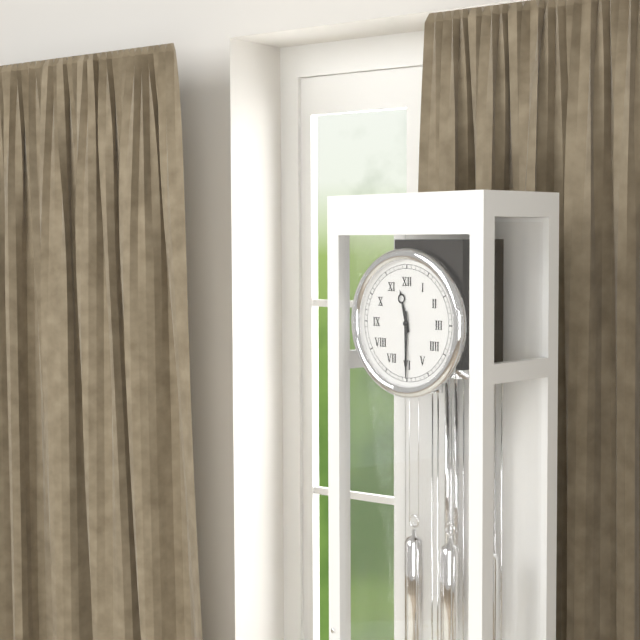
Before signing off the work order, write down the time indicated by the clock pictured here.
11:30
